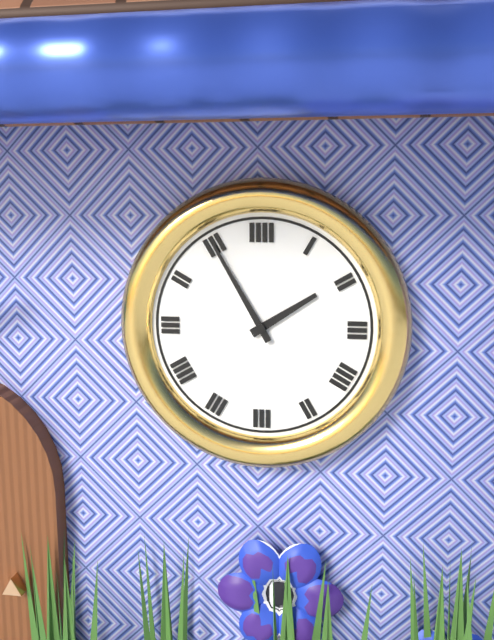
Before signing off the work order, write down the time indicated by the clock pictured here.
1:55
